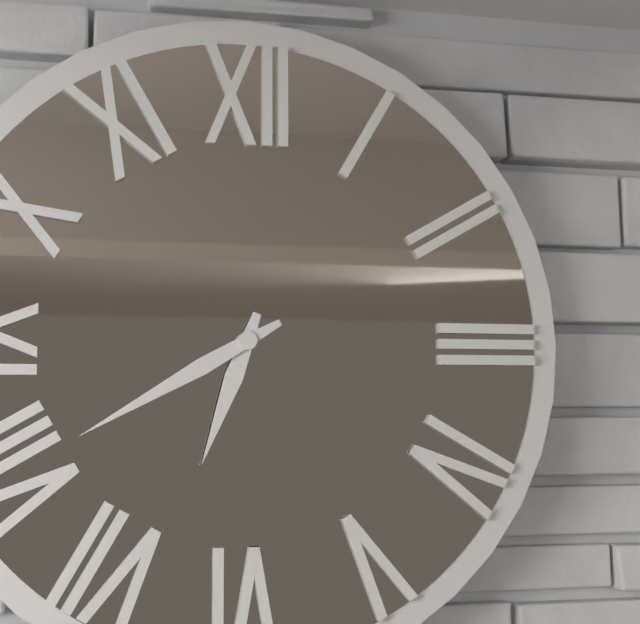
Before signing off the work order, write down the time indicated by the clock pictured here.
6:40
